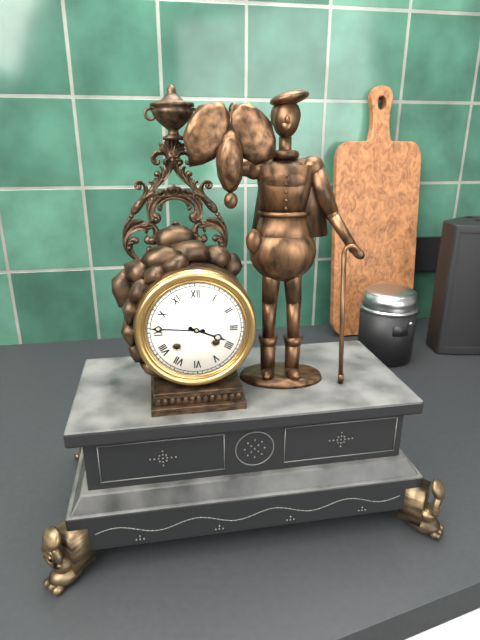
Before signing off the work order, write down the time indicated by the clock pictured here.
3:46
